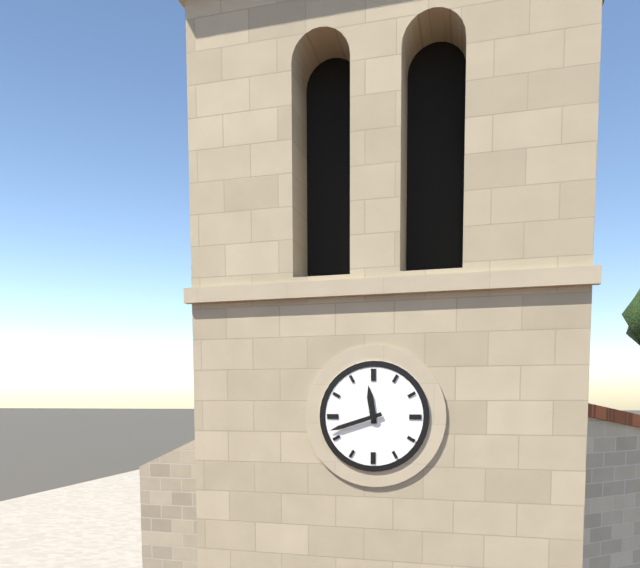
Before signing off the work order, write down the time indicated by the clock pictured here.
11:42
